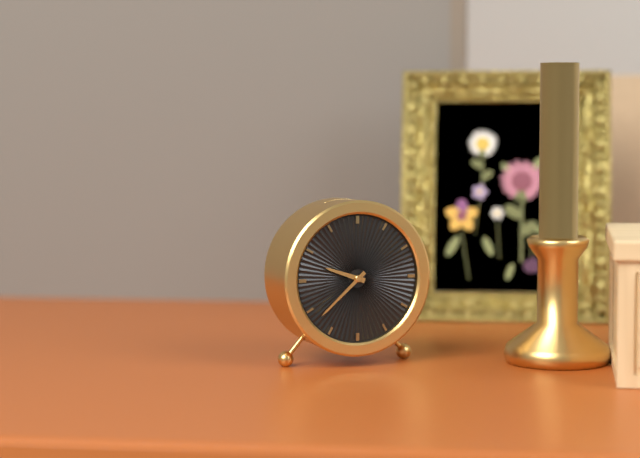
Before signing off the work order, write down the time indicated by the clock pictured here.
9:38
